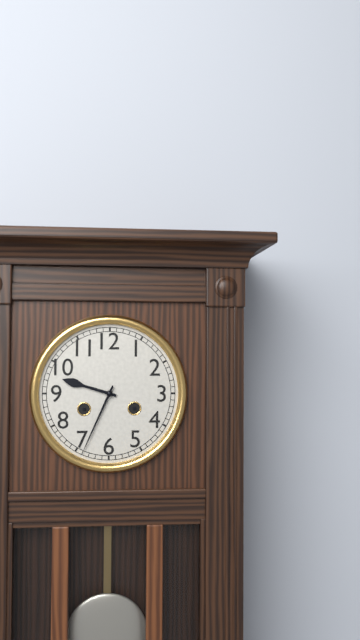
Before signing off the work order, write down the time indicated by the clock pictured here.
9:34
